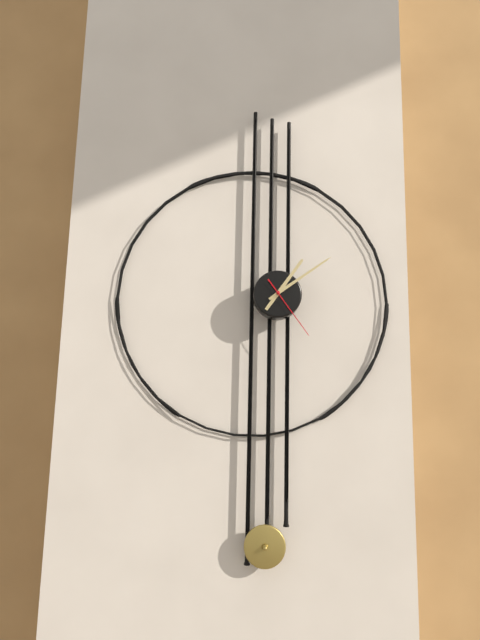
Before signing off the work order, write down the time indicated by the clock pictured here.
1:09:24
